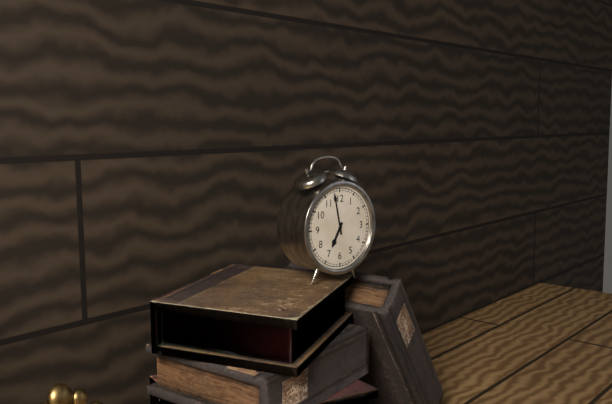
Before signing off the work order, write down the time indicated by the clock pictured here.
6:58
